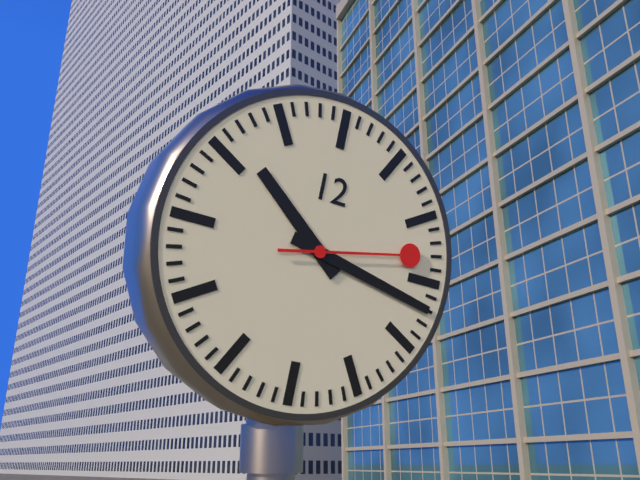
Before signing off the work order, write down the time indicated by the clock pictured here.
10:17:13
